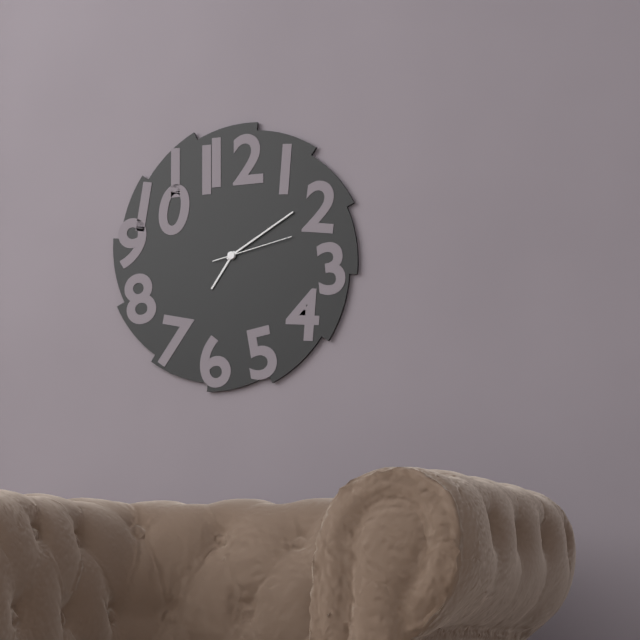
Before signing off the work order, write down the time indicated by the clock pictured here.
7:10:13
